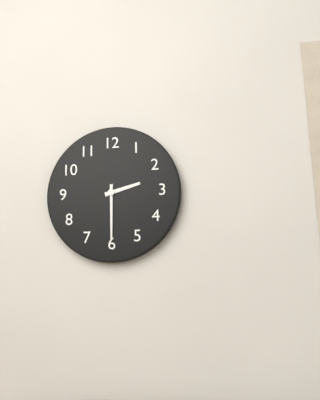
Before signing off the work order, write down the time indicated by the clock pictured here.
2:30
